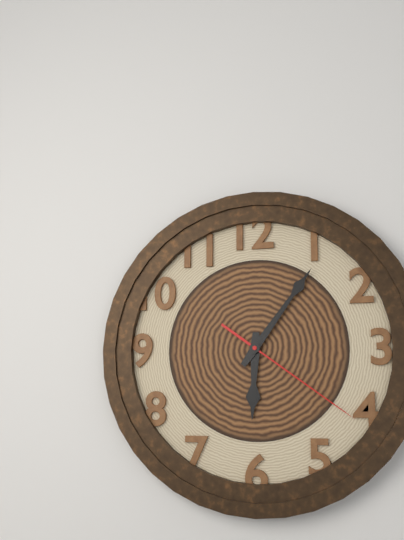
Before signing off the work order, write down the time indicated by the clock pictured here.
6:06:21
